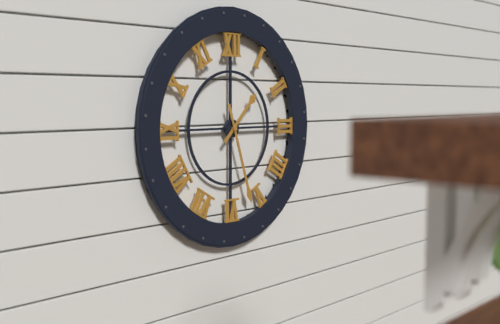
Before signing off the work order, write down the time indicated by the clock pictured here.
1:27
